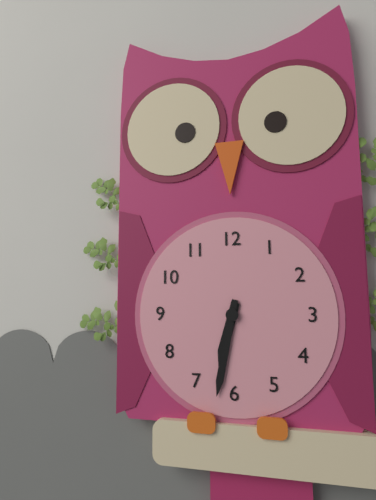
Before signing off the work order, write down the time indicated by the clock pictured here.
6:32
